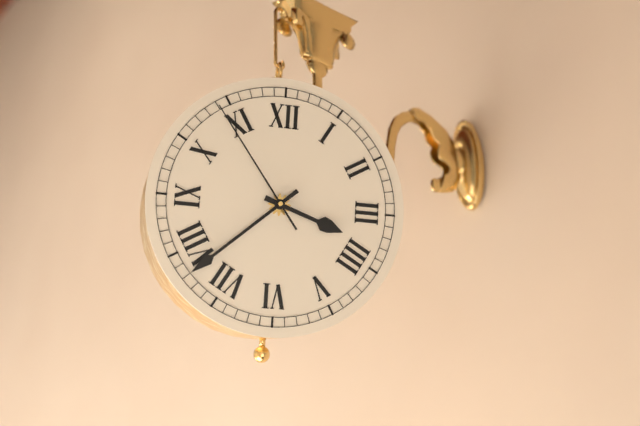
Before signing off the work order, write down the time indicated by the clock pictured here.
3:38:54
